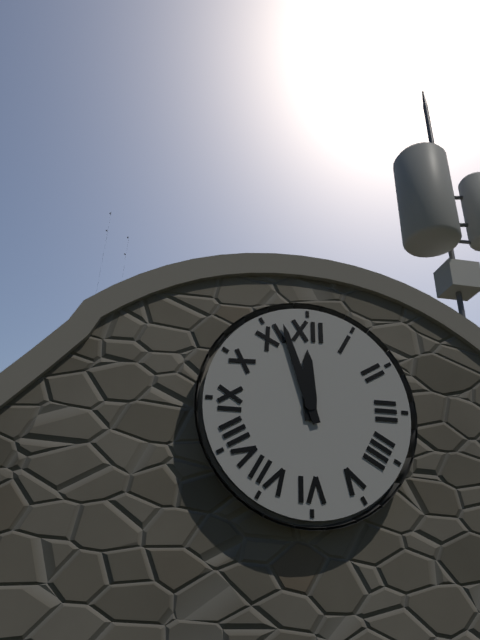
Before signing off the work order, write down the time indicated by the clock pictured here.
11:57
